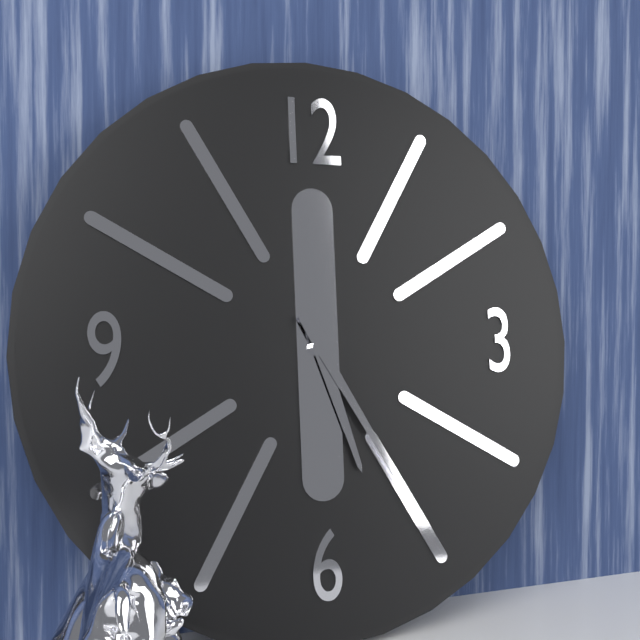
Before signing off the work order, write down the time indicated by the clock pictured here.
5:25
